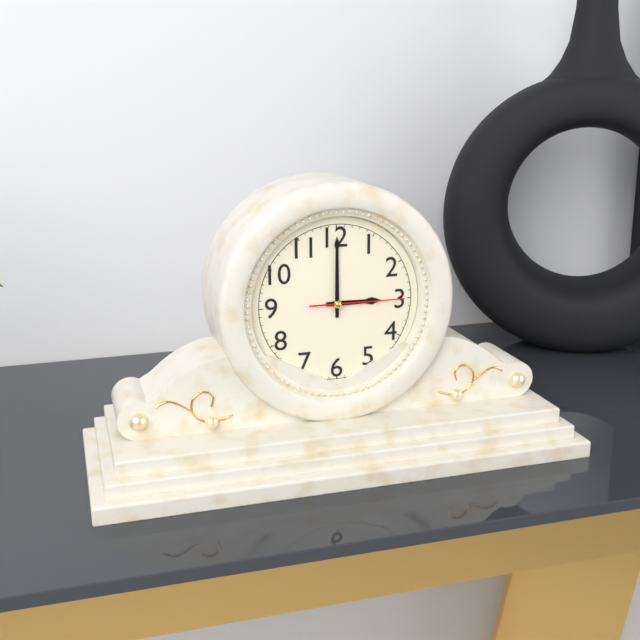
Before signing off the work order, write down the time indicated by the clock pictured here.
3:00:15
